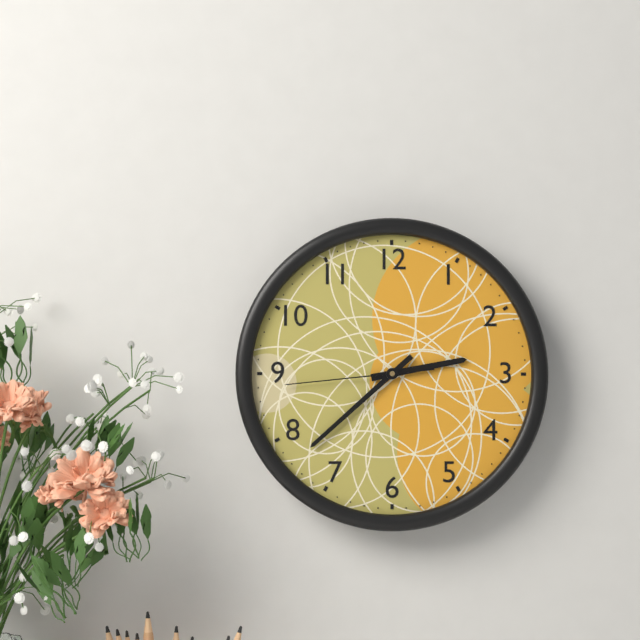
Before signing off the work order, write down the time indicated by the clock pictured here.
2:38:44
